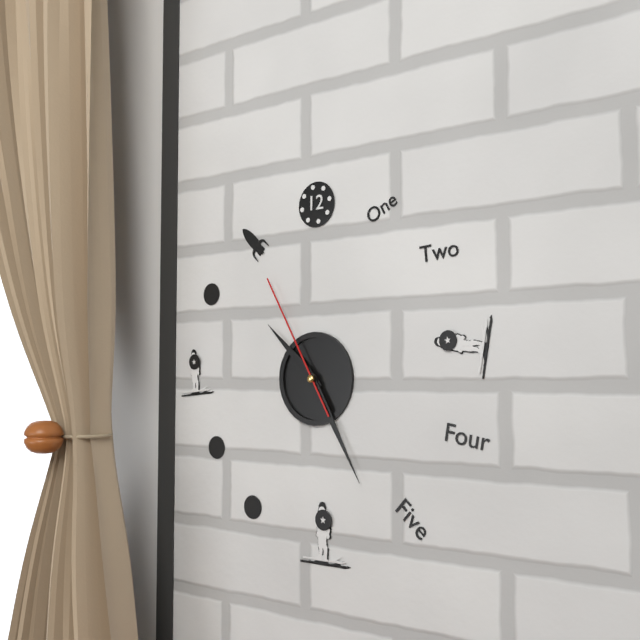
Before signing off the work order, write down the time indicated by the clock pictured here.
10:25:55
